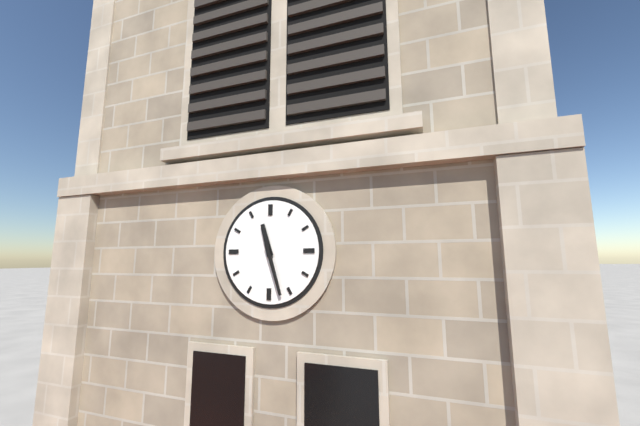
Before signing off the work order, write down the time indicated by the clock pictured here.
11:27
